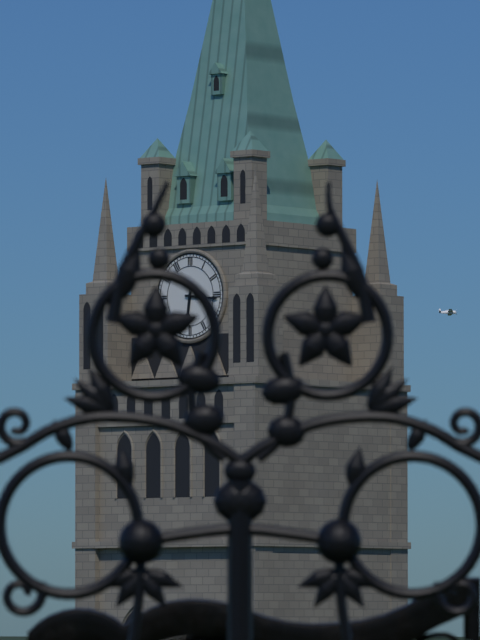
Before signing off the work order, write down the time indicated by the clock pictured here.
6:16
